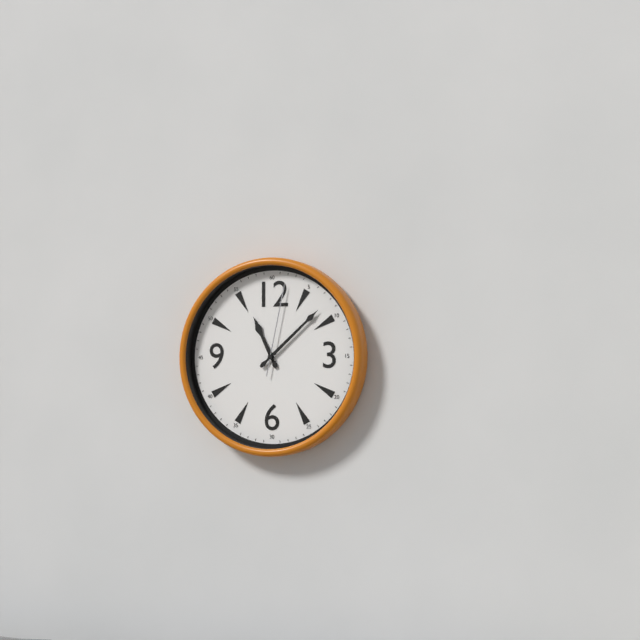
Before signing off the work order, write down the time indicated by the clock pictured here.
11:08:02
